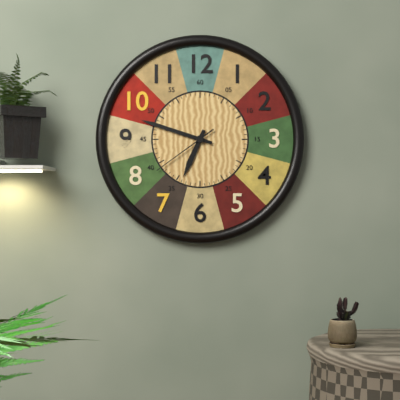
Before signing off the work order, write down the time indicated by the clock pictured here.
6:48:39
